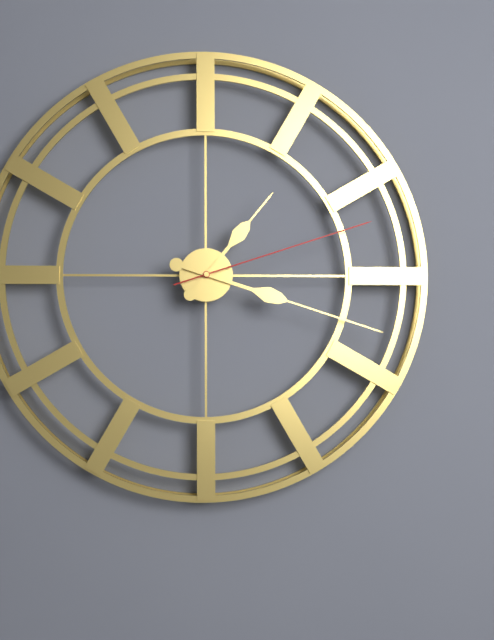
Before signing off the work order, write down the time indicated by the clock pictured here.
1:18:12
